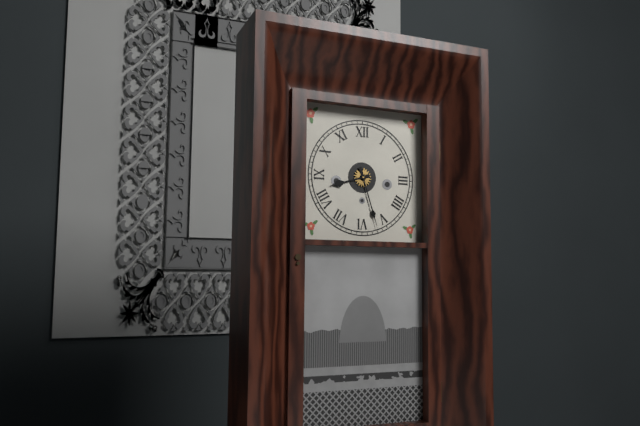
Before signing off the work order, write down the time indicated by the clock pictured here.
8:27
